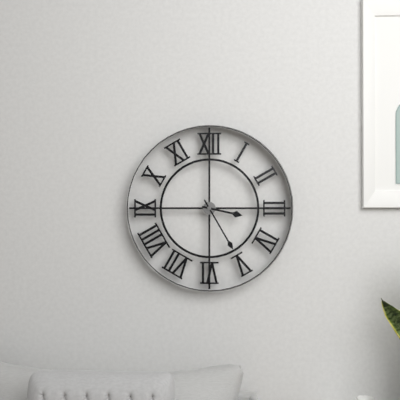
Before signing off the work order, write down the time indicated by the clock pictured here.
3:25
